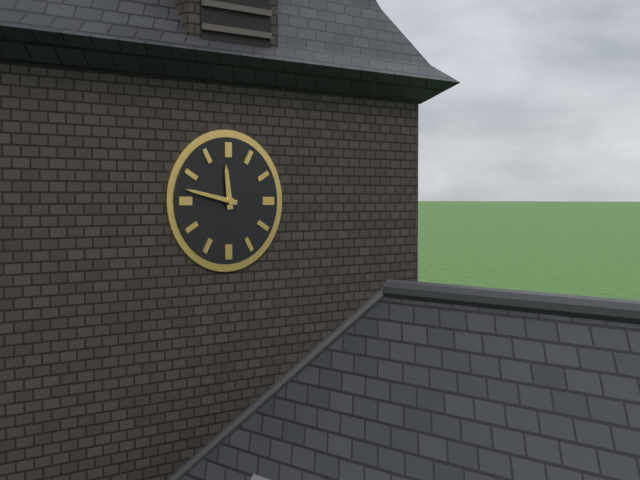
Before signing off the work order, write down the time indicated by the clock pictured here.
11:47
